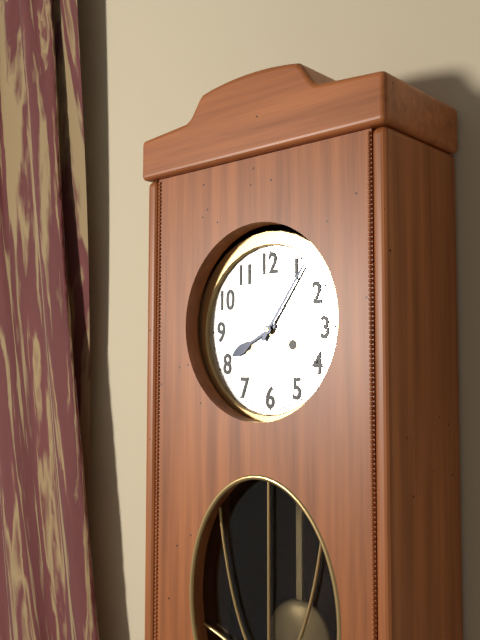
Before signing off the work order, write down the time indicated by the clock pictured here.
8:06
